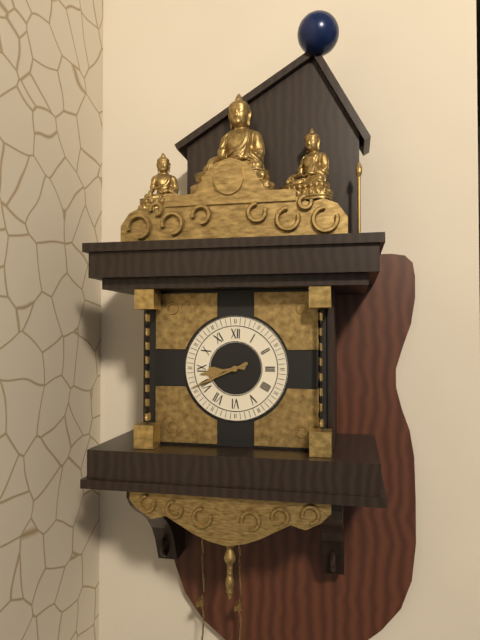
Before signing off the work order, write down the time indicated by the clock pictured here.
8:41
